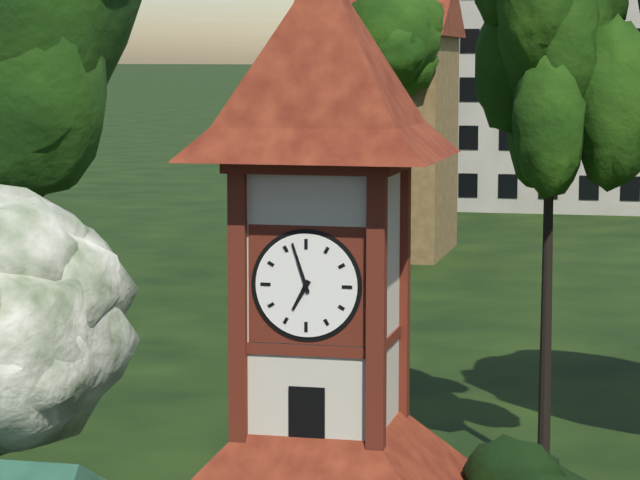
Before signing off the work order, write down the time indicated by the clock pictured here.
6:57
